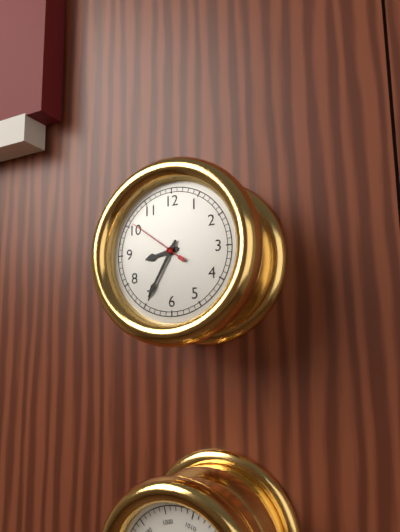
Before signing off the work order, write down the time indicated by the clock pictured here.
8:35:51
